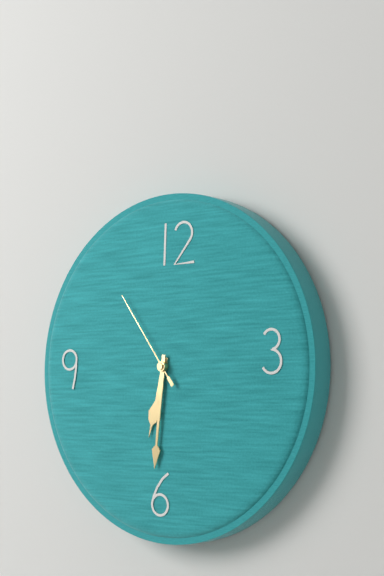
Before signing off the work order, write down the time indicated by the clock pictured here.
6:31:54
